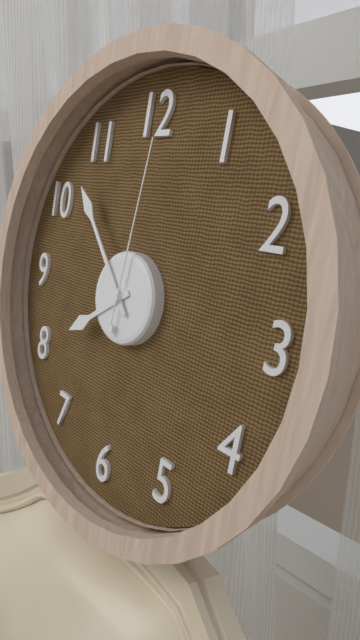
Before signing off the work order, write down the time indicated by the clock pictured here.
7:53:01
